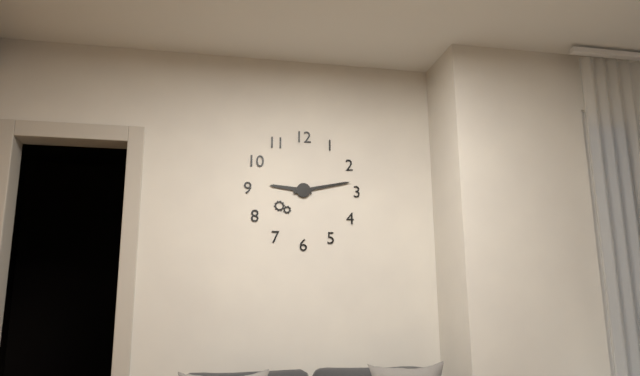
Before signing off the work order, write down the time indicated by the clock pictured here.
9:13
